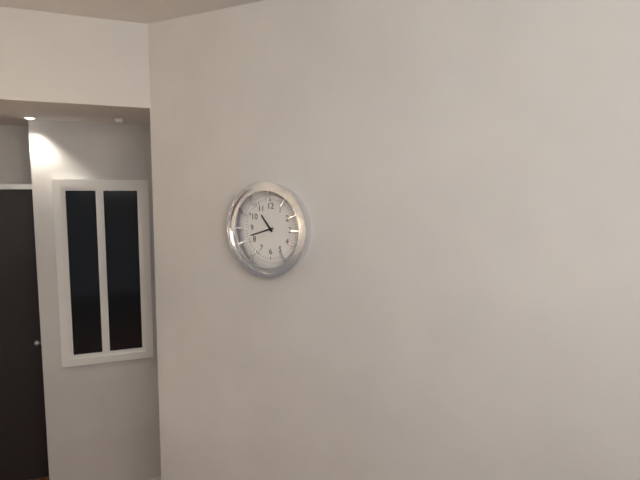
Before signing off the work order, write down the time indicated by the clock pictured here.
10:42
